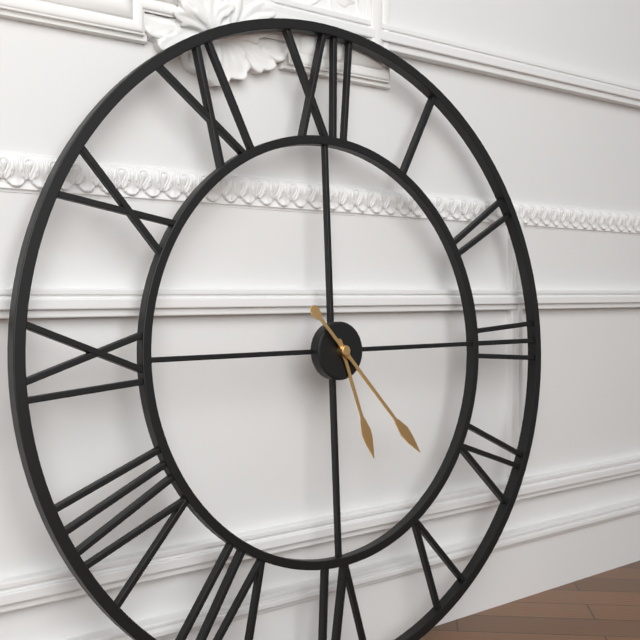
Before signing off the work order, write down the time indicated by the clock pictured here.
5:23
